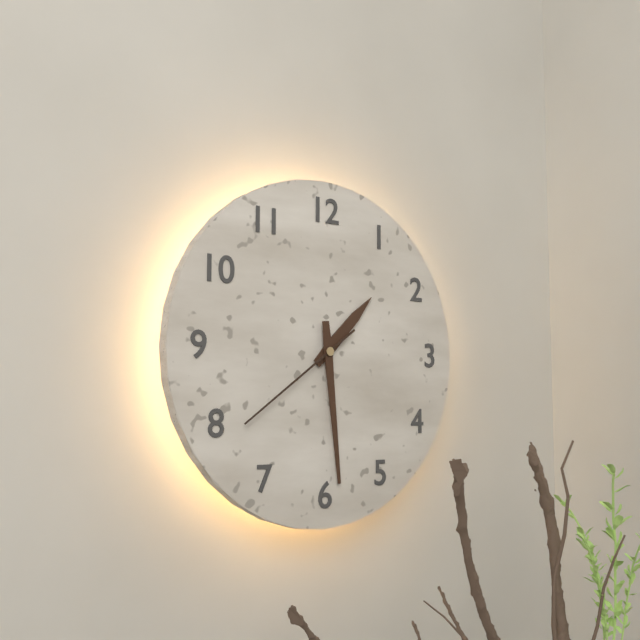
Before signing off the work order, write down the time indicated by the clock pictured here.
1:29:39
